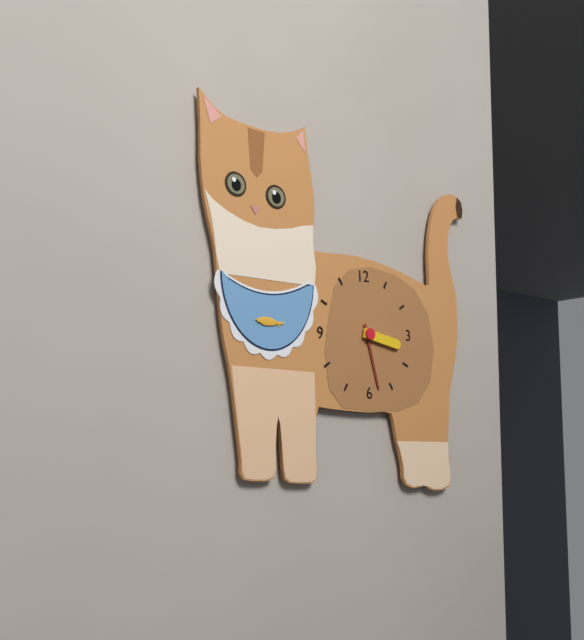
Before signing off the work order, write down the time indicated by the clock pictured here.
3:28
